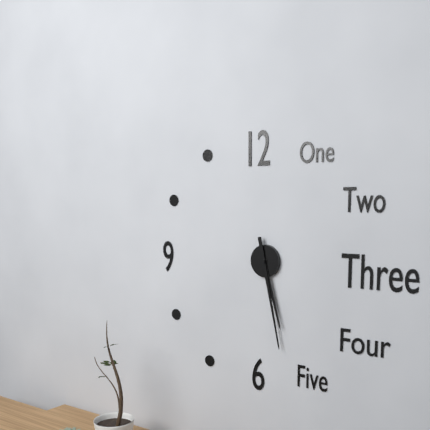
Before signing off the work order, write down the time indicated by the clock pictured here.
5:28
